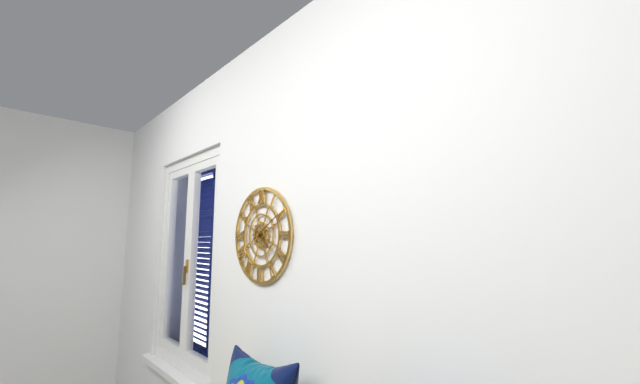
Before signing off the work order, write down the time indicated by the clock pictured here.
4:10
